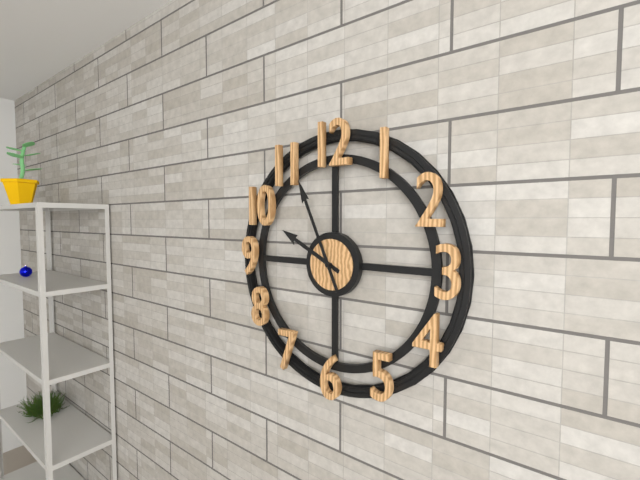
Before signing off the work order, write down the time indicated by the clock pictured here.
9:56
